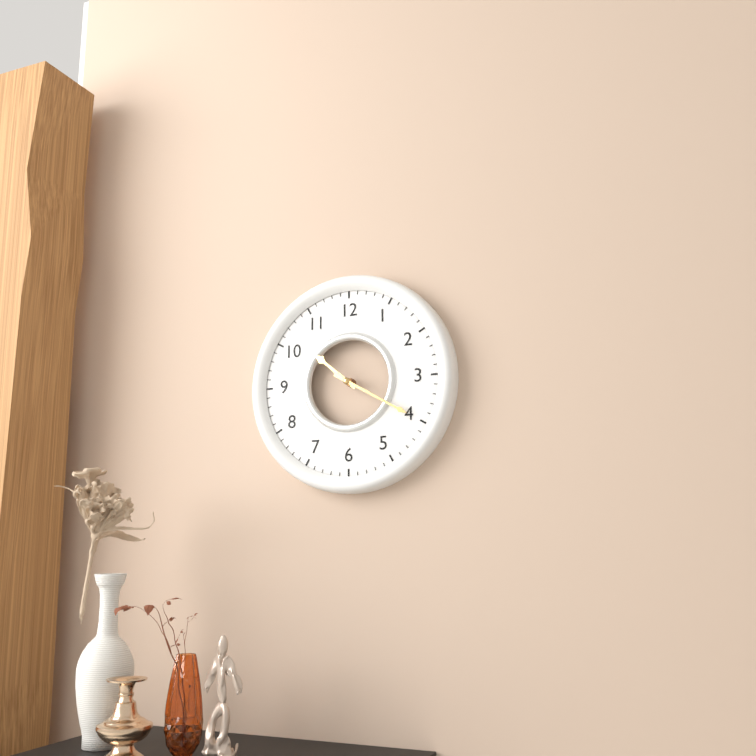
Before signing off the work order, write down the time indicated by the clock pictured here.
10:20
